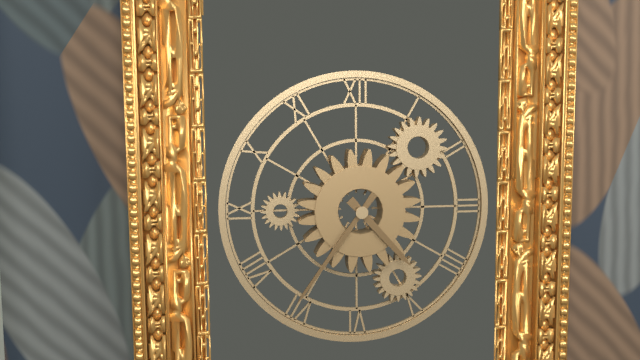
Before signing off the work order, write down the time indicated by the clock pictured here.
4:36
